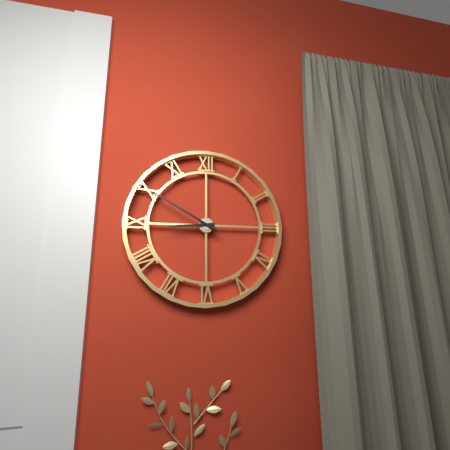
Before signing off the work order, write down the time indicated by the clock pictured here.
8:50
